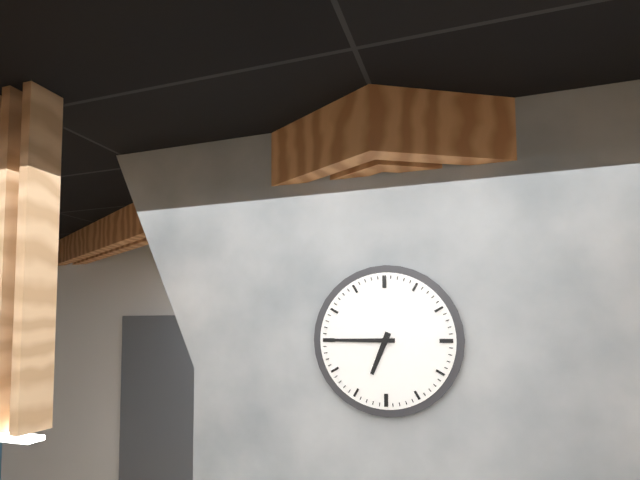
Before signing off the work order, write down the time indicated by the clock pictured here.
6:45
